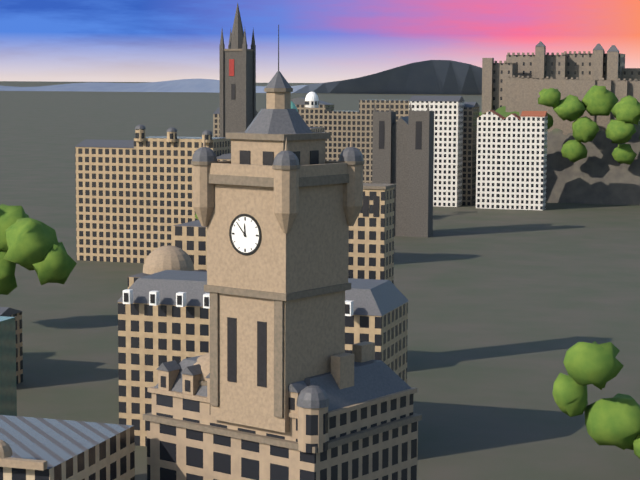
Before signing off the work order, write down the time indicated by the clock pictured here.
11:53
